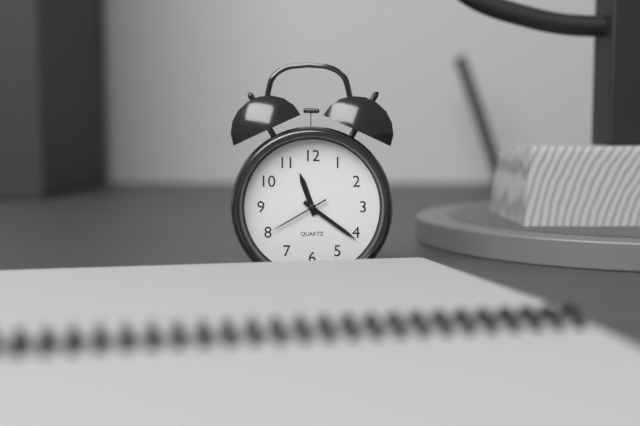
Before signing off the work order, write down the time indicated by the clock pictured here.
11:21:40
